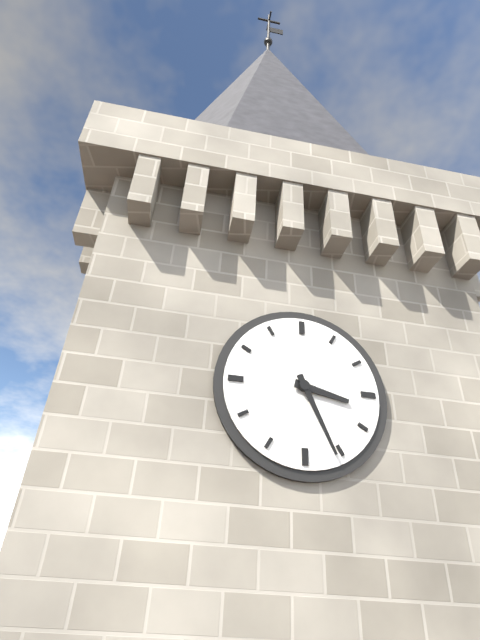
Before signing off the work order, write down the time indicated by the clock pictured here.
3:26
